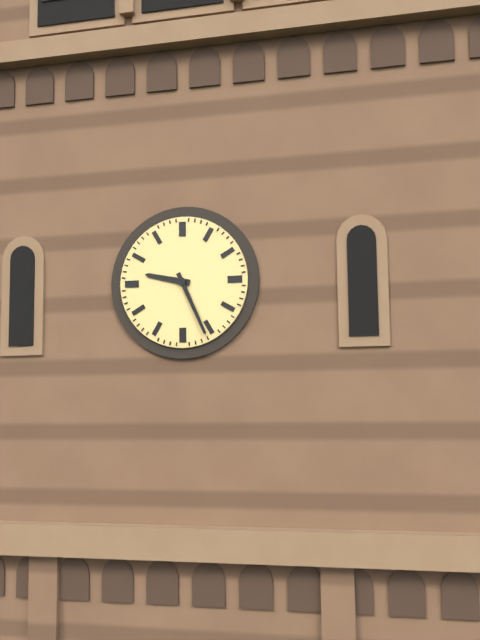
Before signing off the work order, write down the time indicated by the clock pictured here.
9:26
